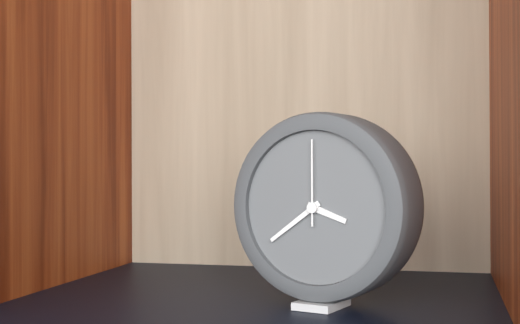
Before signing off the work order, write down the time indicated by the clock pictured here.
3:39:00
